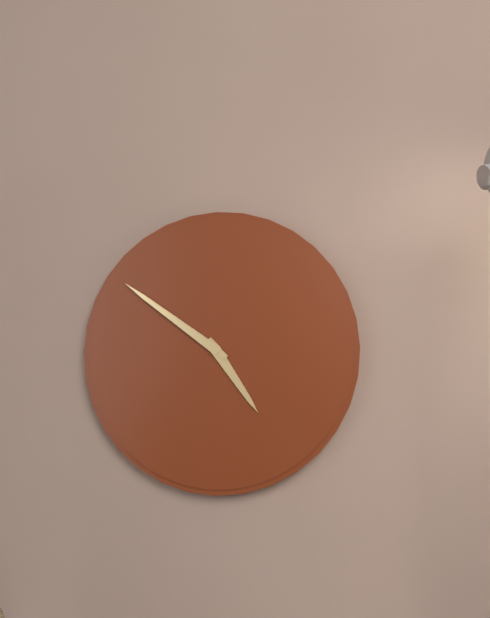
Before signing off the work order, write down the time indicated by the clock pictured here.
4:51
